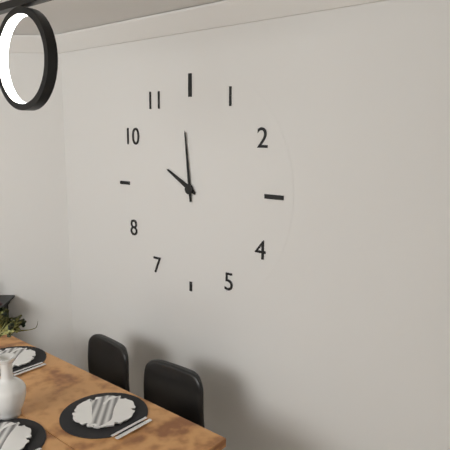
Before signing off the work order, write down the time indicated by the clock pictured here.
9:59
